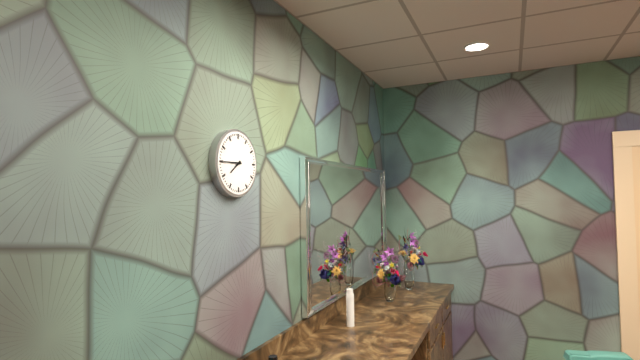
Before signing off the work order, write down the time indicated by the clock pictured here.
7:45
